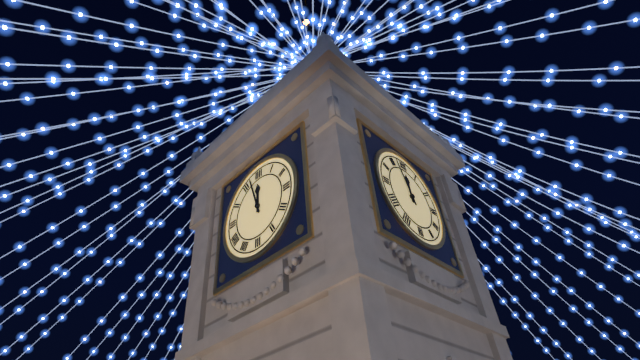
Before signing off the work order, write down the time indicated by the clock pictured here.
11:57
